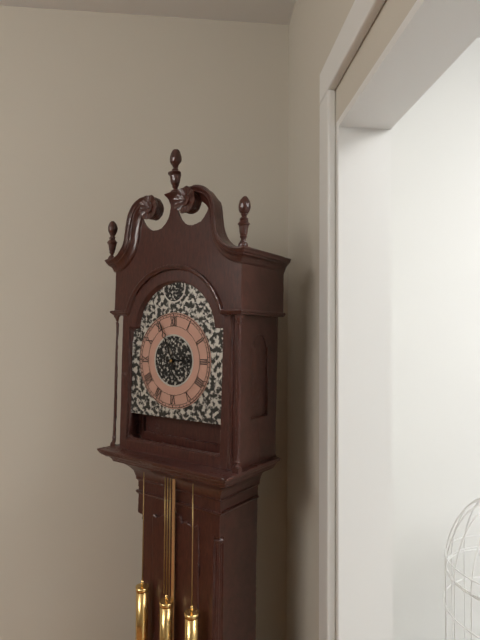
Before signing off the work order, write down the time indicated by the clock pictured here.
2:56
